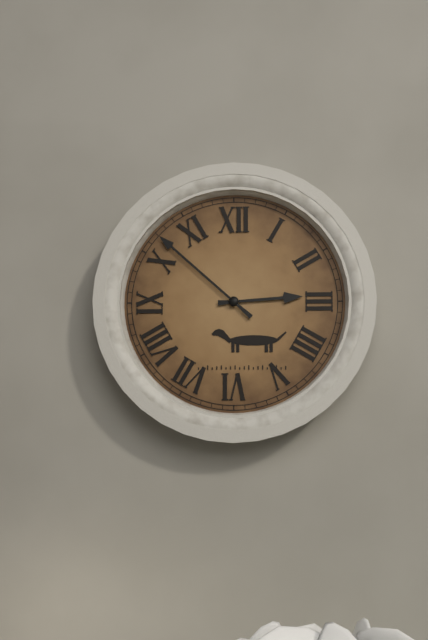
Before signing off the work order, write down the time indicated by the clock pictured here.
2:52
